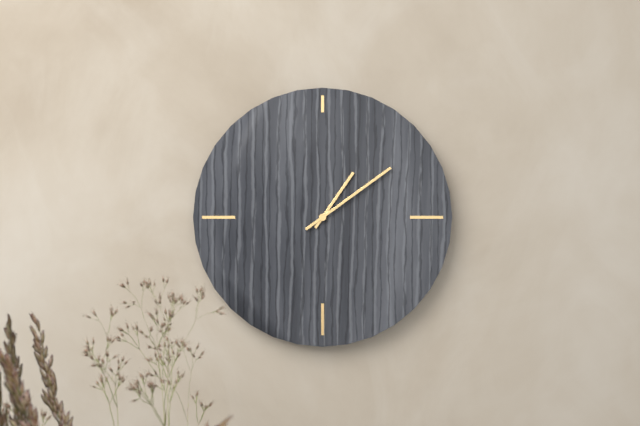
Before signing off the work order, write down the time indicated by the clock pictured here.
1:09
